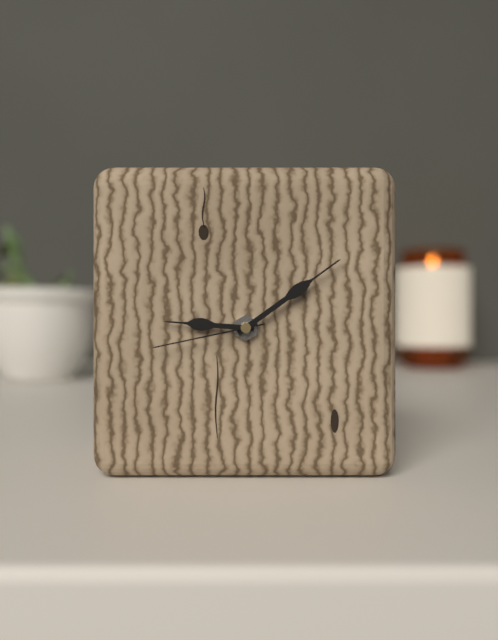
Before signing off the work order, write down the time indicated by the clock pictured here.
9:09:43
